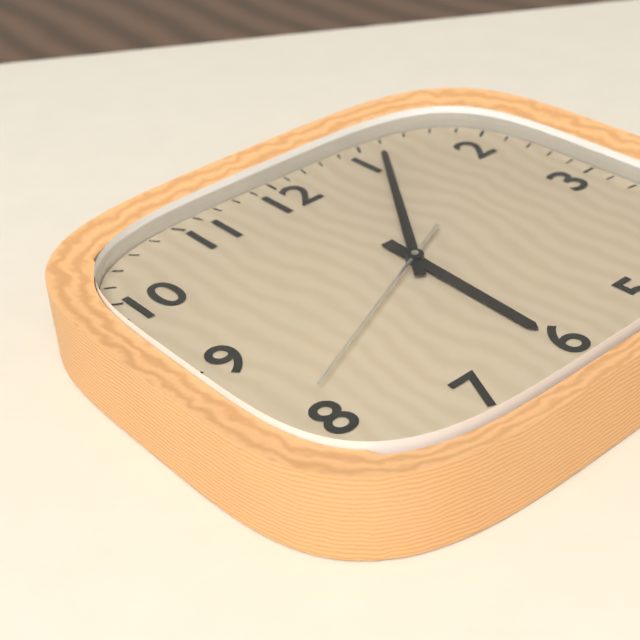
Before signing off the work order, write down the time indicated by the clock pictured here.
6:06:41
